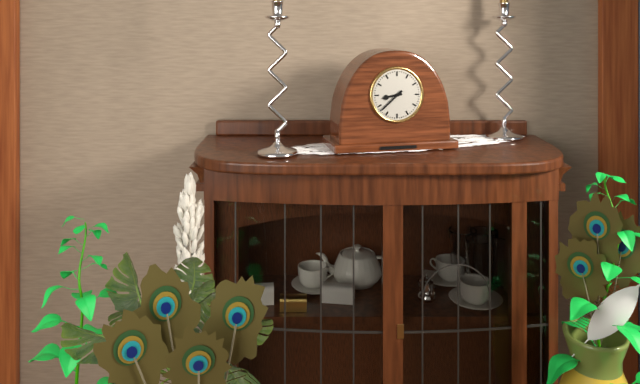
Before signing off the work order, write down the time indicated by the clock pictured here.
8:38
